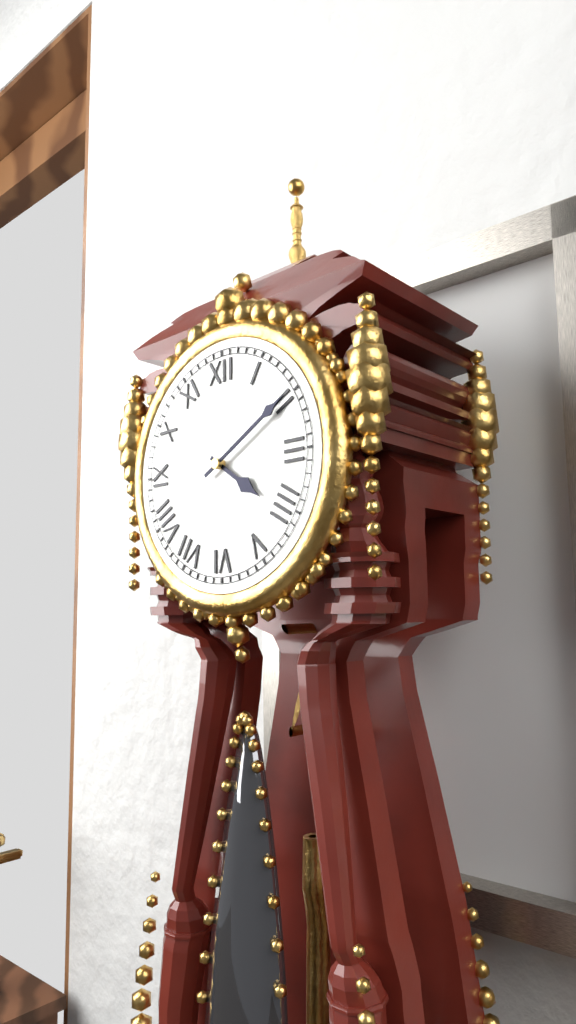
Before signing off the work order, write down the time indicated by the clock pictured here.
4:10
